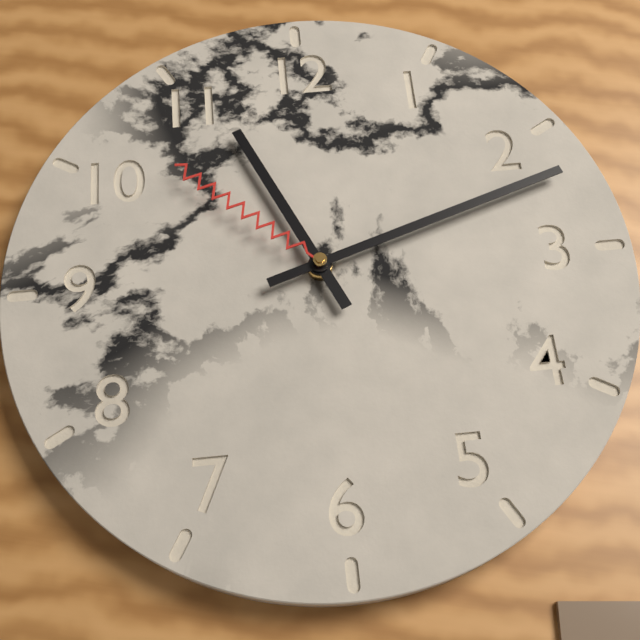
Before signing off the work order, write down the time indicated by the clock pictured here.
11:12:52
